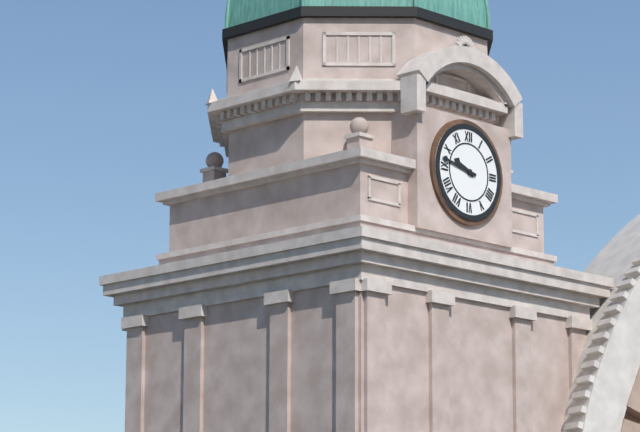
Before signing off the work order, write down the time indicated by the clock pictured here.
9:47
